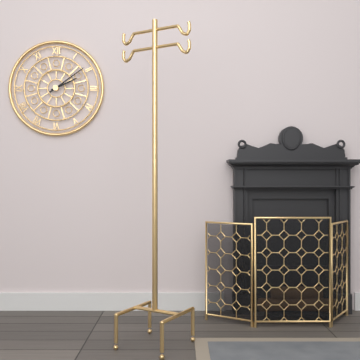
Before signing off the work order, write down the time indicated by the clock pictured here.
2:09
